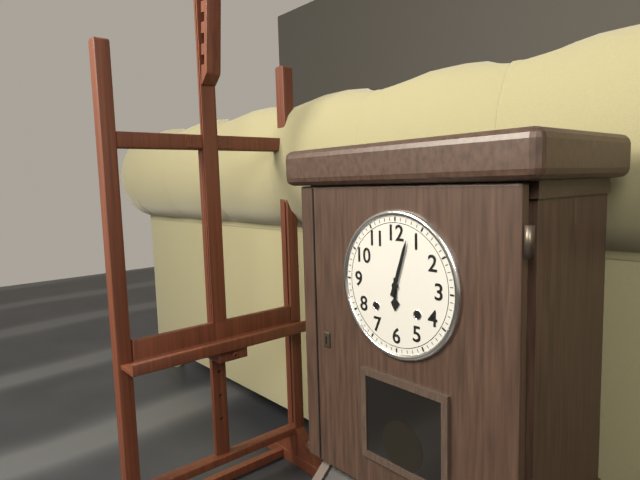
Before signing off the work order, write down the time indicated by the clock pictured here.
6:03
